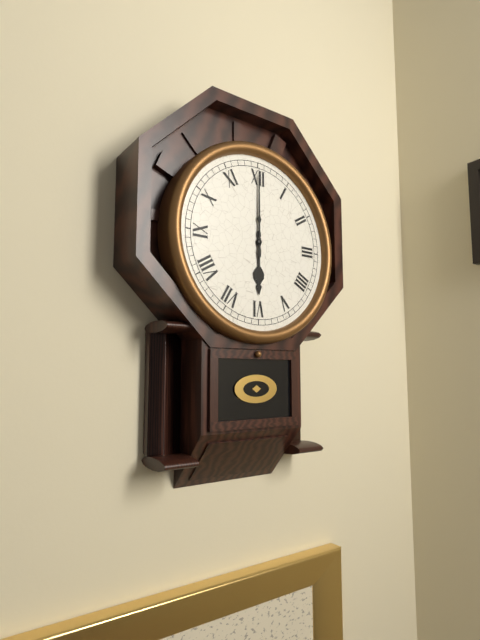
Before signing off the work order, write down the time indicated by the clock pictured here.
6:00
